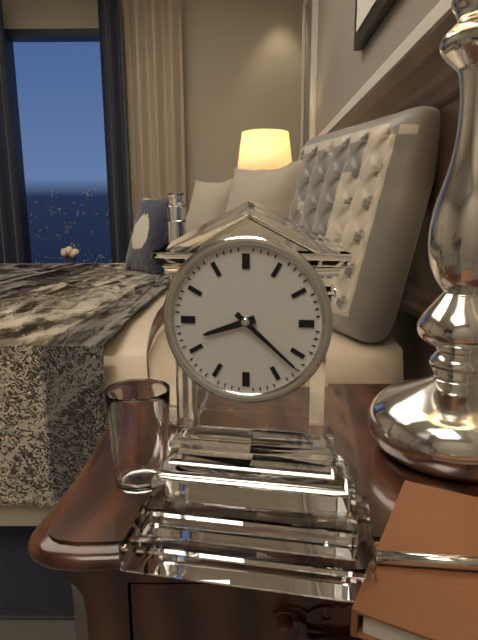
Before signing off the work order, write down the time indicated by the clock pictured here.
8:22
